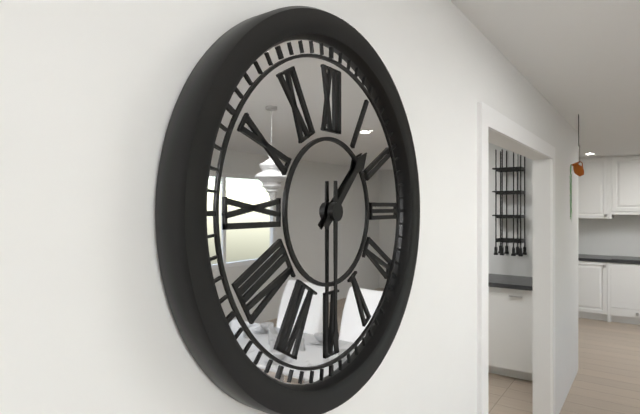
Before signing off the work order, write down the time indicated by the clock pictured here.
1:30
